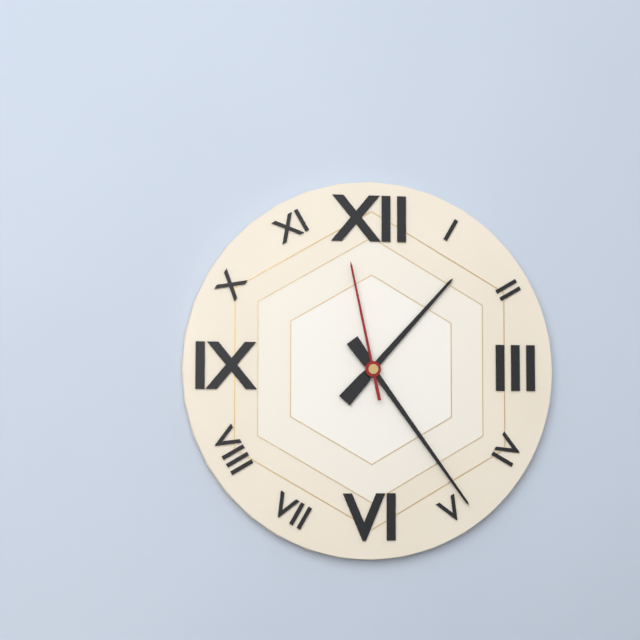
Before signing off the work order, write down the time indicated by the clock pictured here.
1:24:58
